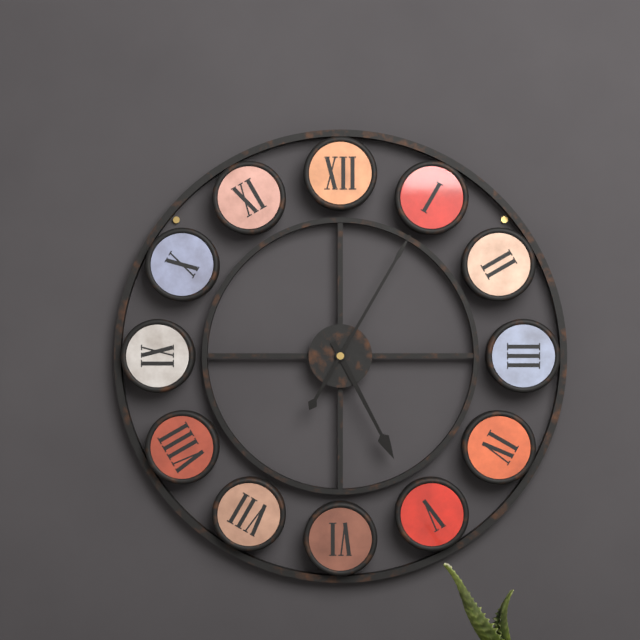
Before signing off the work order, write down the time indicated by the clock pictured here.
5:05
